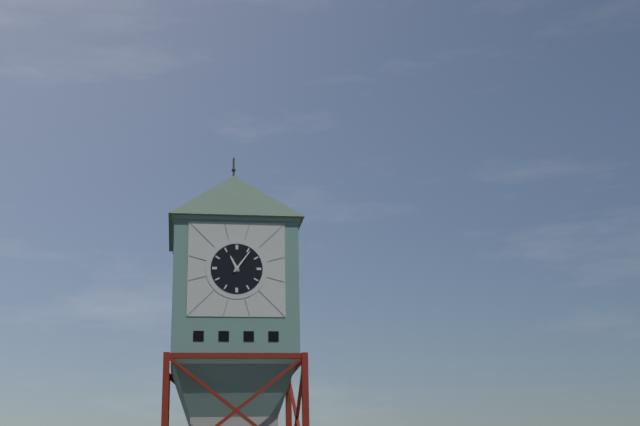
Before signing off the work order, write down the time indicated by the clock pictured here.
11:06
